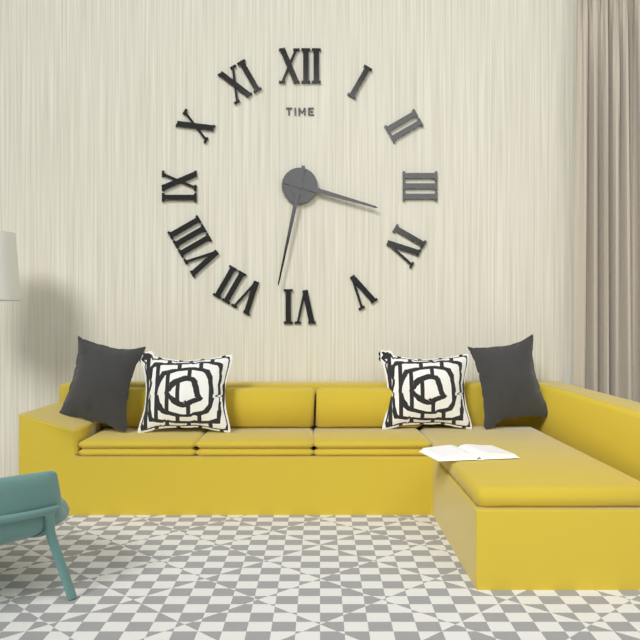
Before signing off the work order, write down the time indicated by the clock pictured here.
3:32
